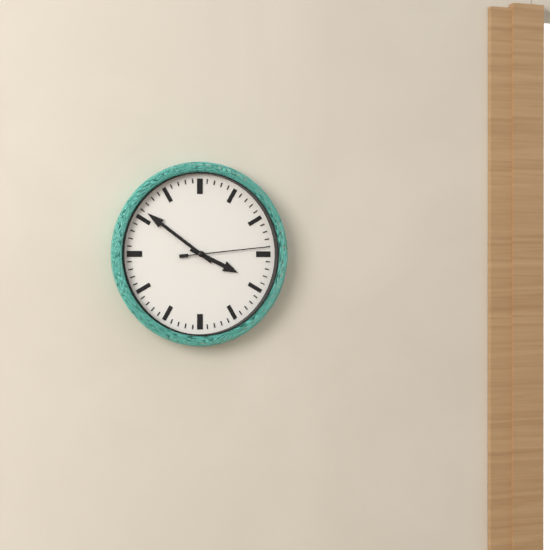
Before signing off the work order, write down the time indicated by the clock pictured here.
3:51:14
